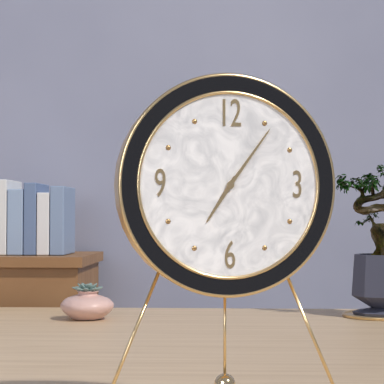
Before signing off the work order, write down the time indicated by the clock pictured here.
7:06
